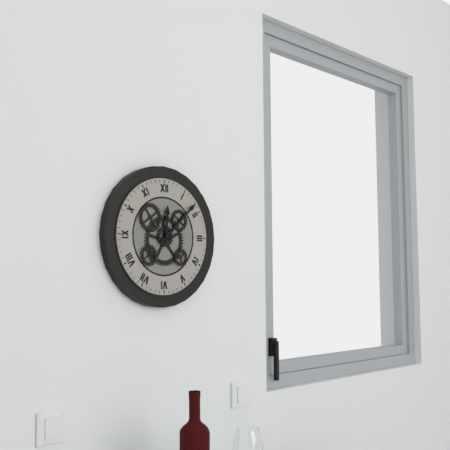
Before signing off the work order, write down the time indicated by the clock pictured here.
12:08
